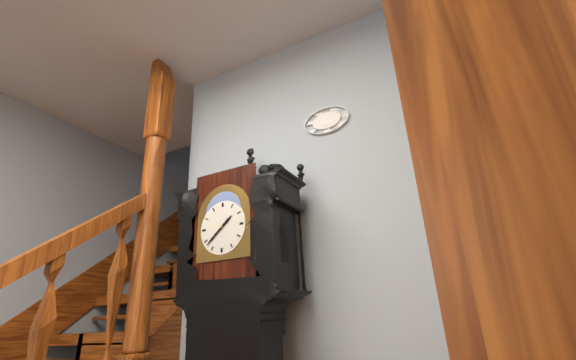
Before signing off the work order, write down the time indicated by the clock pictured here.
1:38
